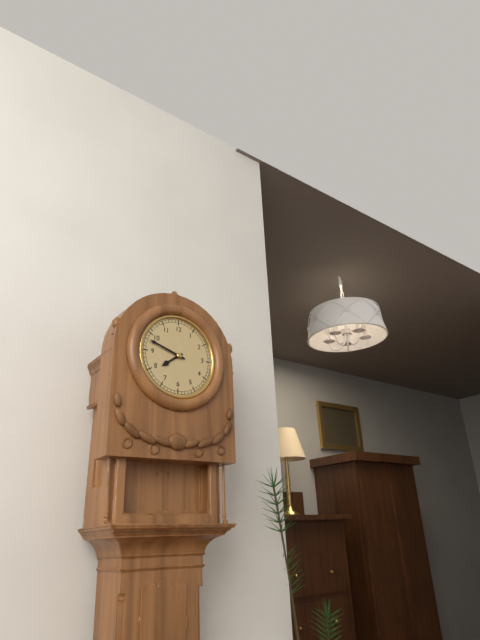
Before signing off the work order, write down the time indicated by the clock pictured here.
7:48
